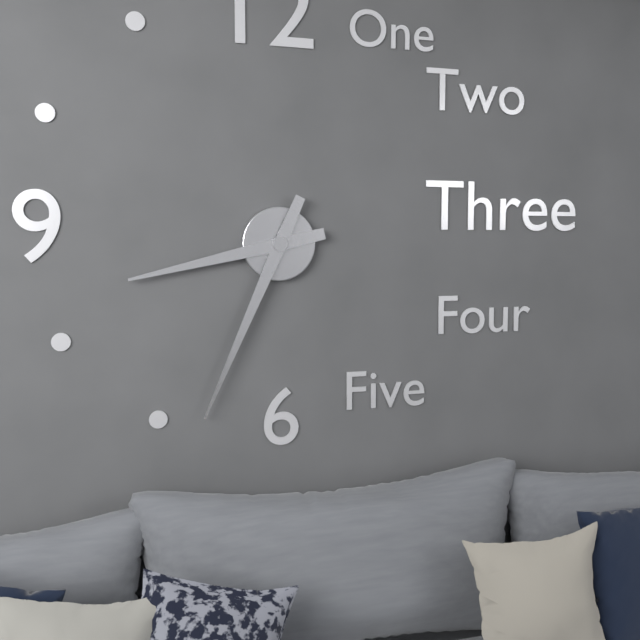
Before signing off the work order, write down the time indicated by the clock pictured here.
8:34
